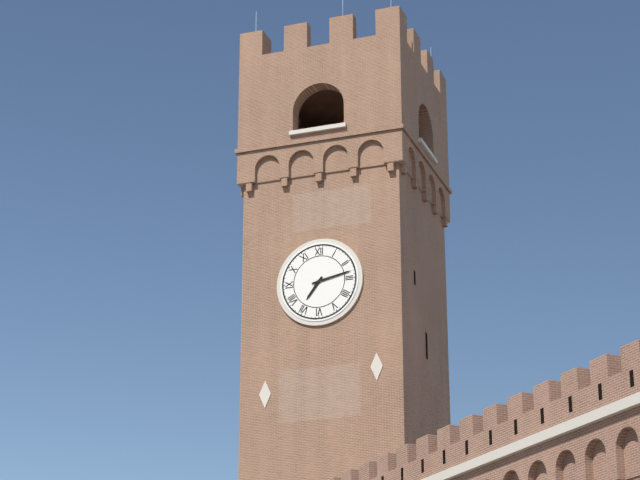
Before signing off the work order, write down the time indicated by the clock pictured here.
7:13
